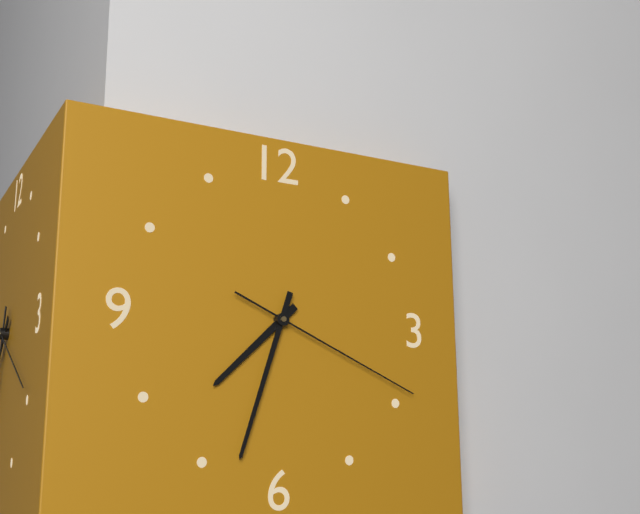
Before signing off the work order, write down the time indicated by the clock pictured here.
7:33:19
